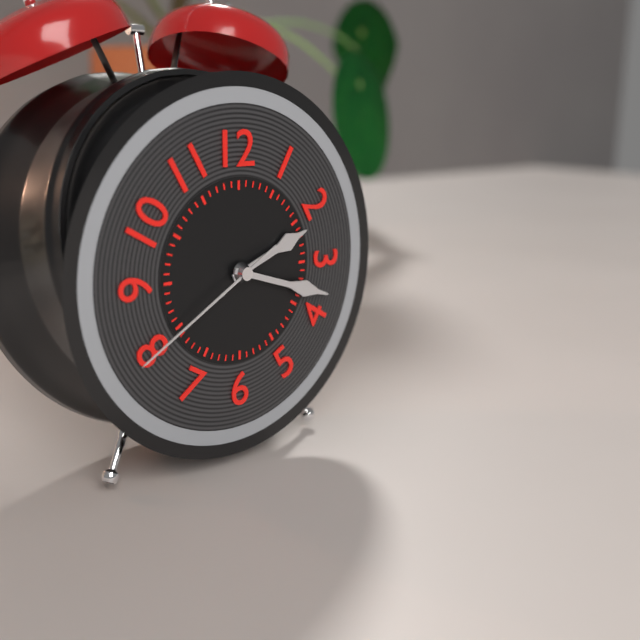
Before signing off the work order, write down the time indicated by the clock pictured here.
2:18:40
